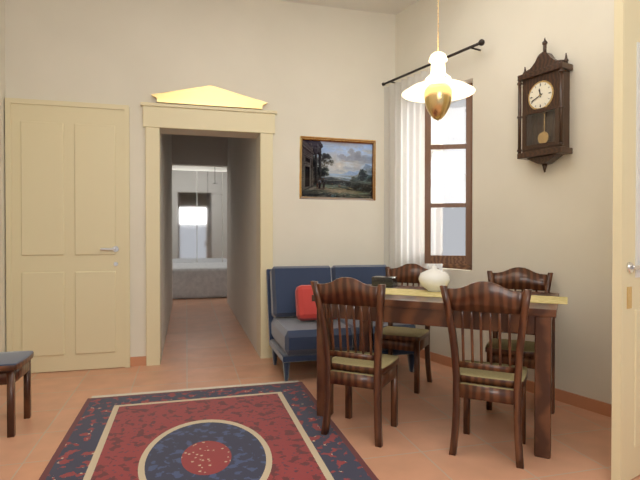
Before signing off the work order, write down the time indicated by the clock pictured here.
11:41
